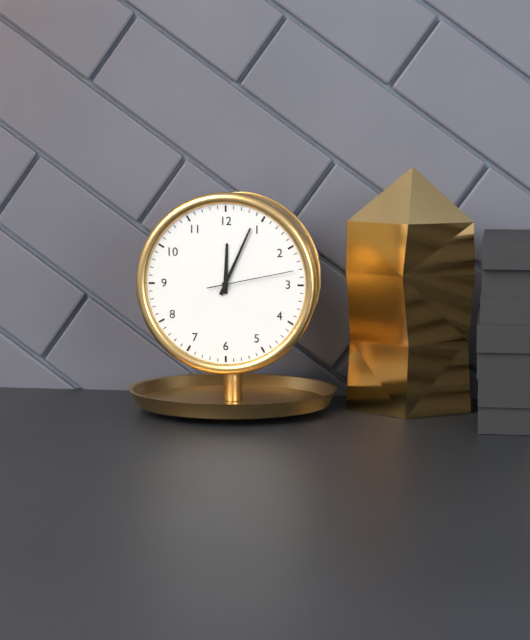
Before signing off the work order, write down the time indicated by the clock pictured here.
12:04:13
